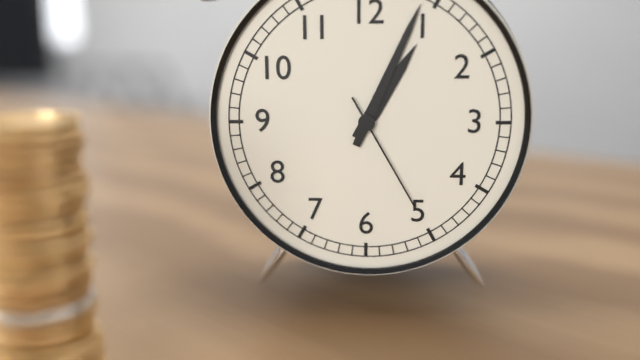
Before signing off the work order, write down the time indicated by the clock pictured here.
1:04:25
